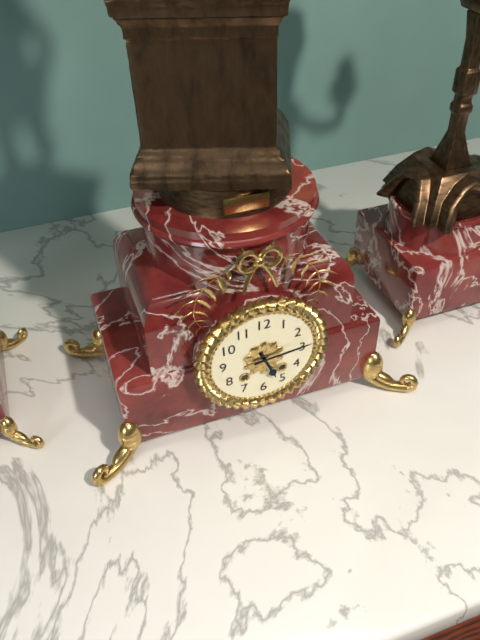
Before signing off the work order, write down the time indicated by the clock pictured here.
5:14
